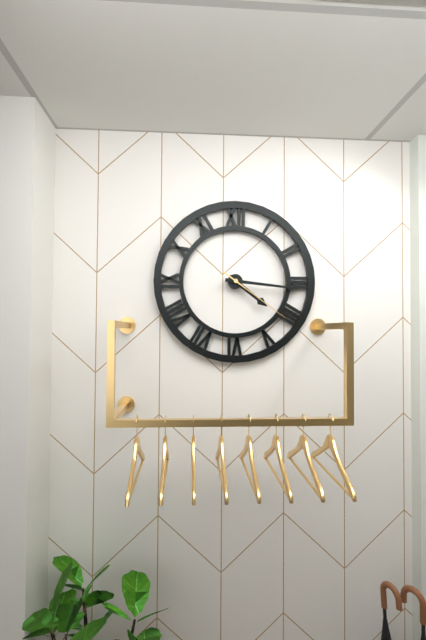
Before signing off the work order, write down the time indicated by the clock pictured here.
4:16:21
